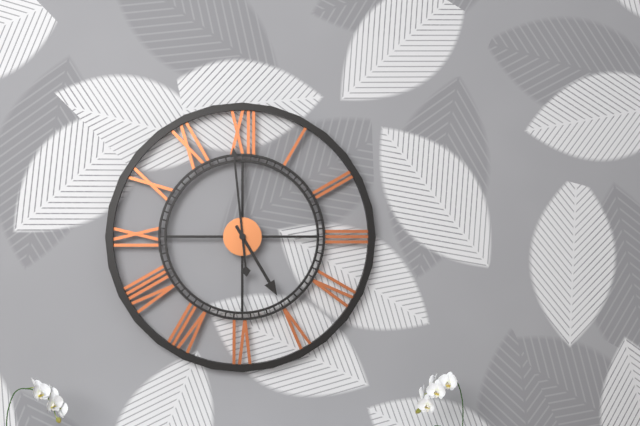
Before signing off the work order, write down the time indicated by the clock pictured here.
4:59
